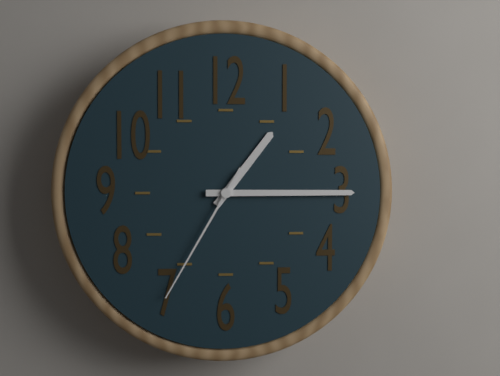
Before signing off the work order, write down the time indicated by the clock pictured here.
1:15:35
